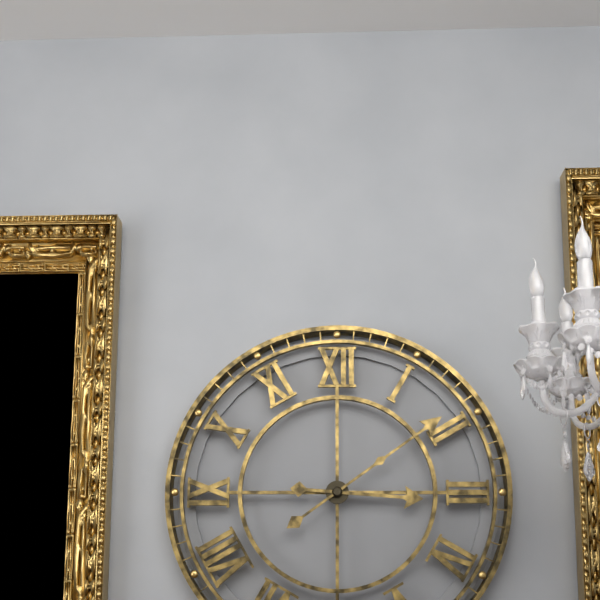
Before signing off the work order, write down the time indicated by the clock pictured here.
3:09
